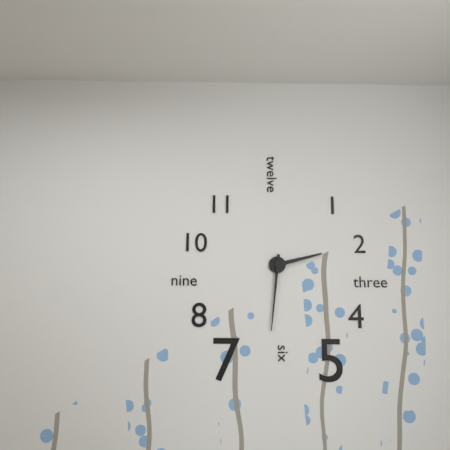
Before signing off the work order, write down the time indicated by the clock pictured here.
2:31
